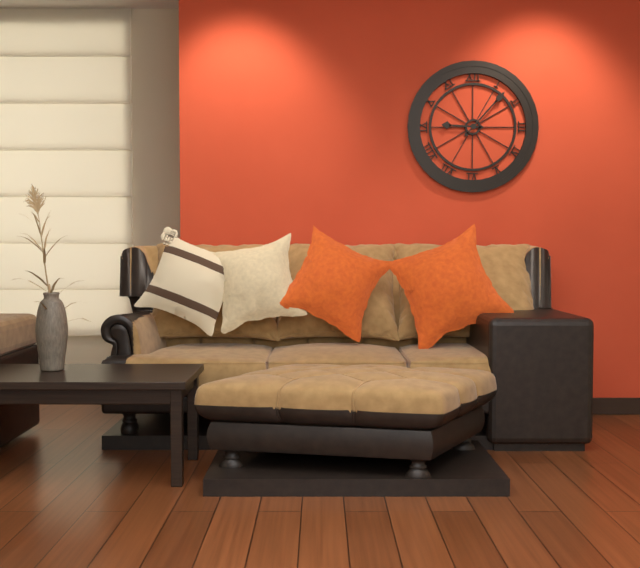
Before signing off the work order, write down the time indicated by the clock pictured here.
9:07
